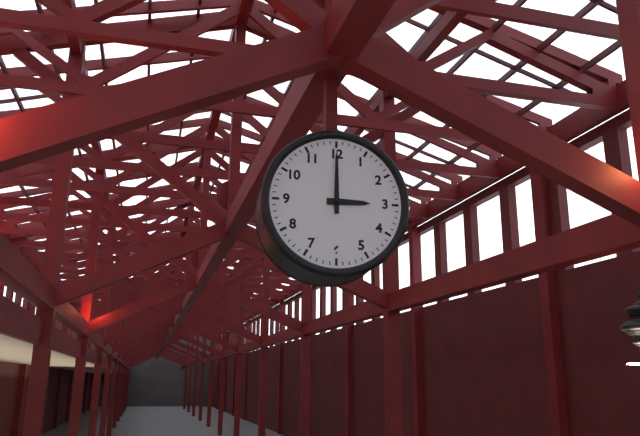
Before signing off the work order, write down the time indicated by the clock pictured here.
3:00
